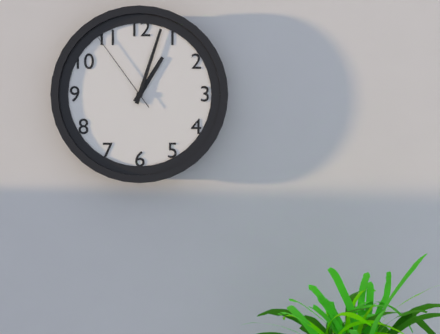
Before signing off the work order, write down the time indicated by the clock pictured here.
1:03:54
